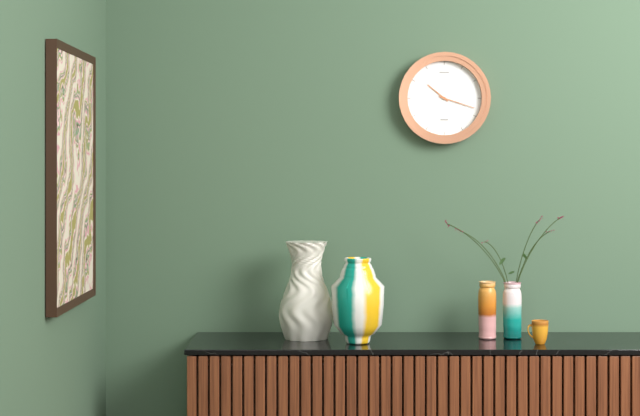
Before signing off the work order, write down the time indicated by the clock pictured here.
10:18
